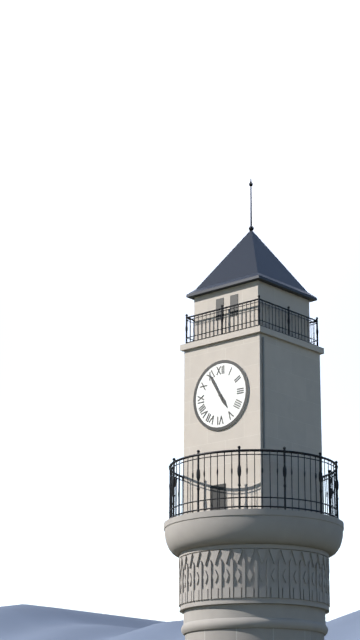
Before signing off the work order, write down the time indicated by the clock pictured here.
4:55
